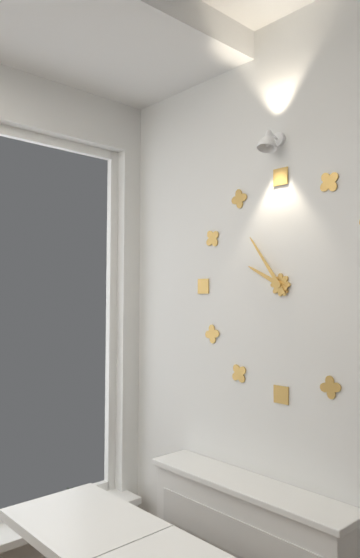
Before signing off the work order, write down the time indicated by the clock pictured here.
9:54
